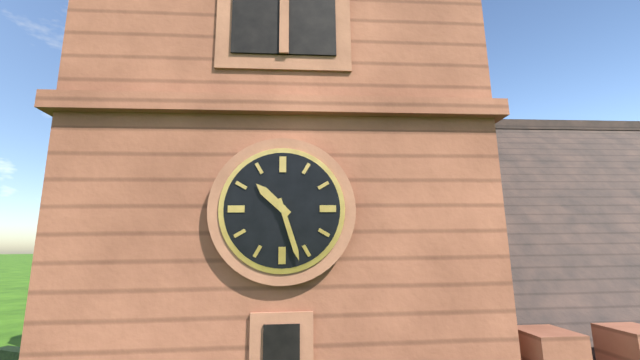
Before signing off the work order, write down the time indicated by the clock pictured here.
10:27
